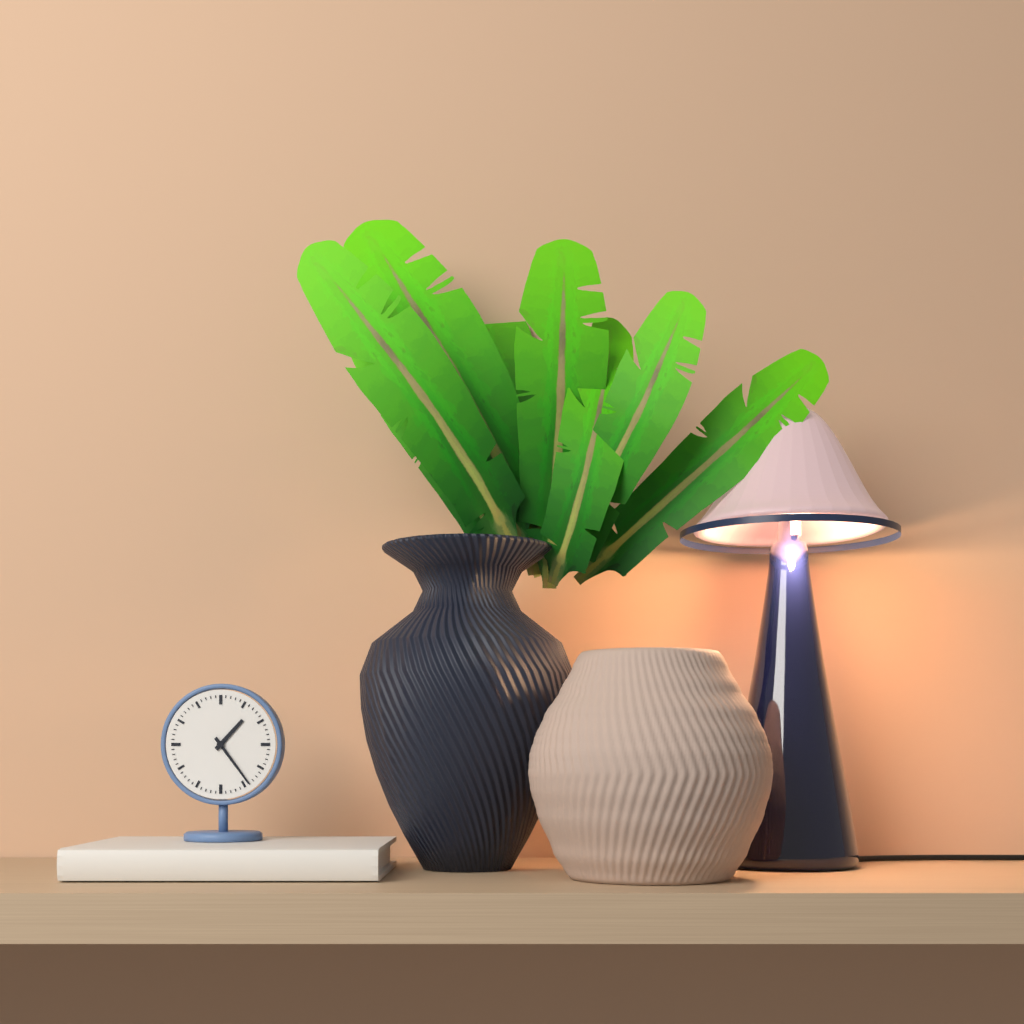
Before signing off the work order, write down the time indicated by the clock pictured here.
1:24
